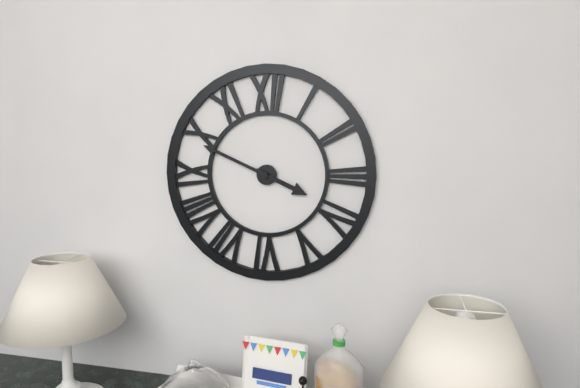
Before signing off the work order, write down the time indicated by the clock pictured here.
3:49
